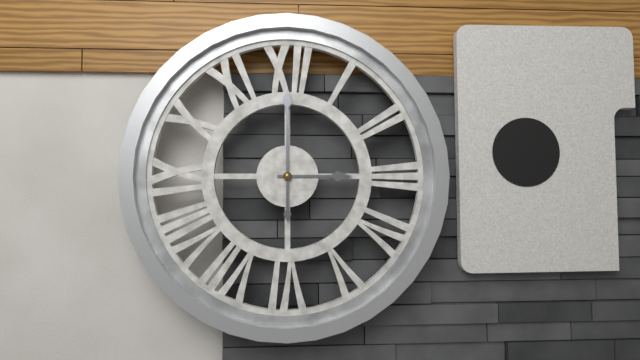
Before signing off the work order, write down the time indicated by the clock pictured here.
3:00
